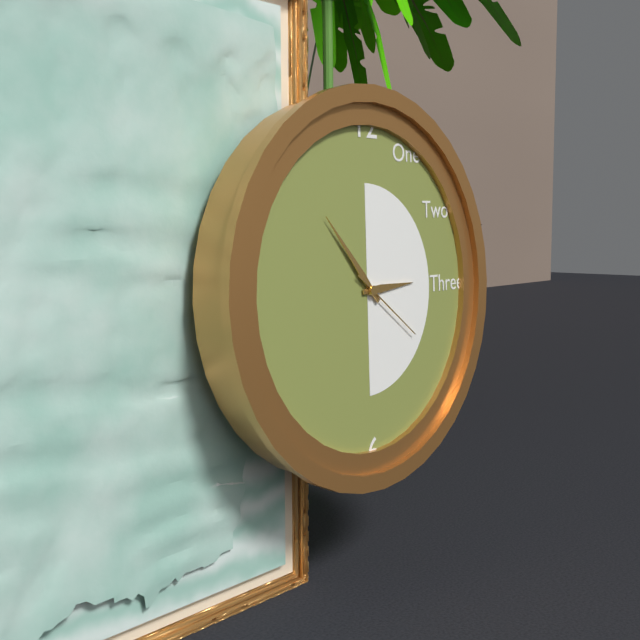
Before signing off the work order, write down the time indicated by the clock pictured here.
2:53:21
